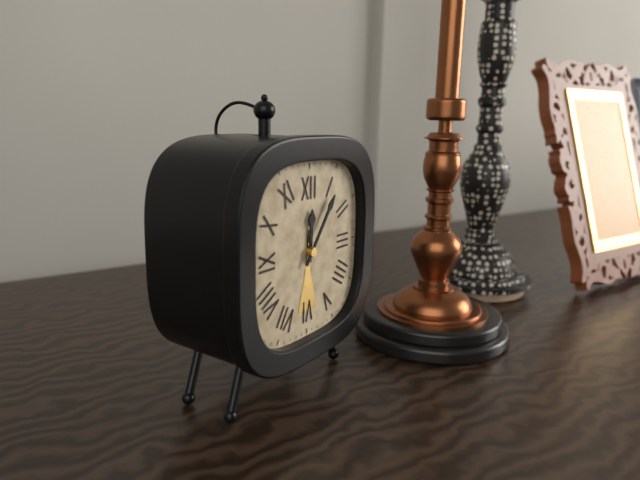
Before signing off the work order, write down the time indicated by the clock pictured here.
12:06
